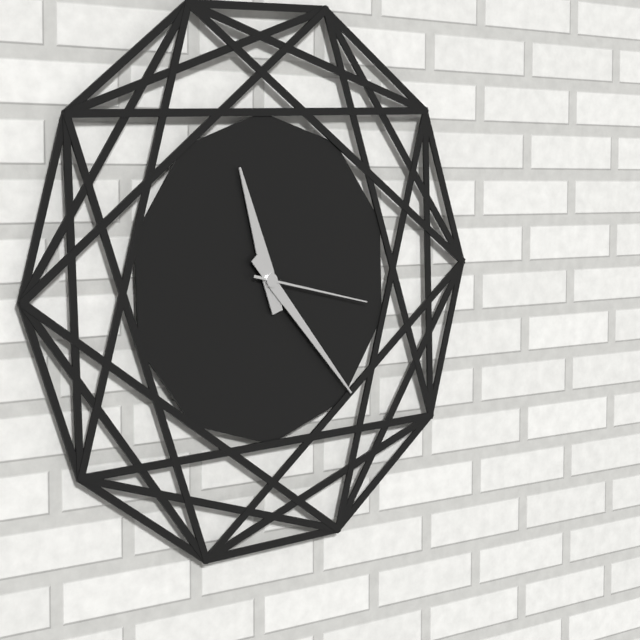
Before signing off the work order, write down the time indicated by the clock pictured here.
11:23:17
